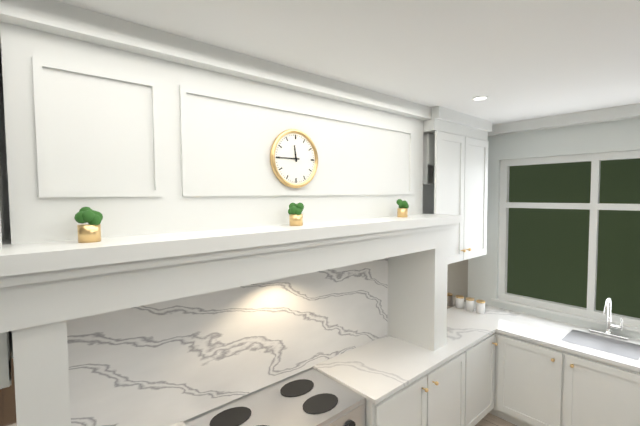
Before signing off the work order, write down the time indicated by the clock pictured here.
11:45
